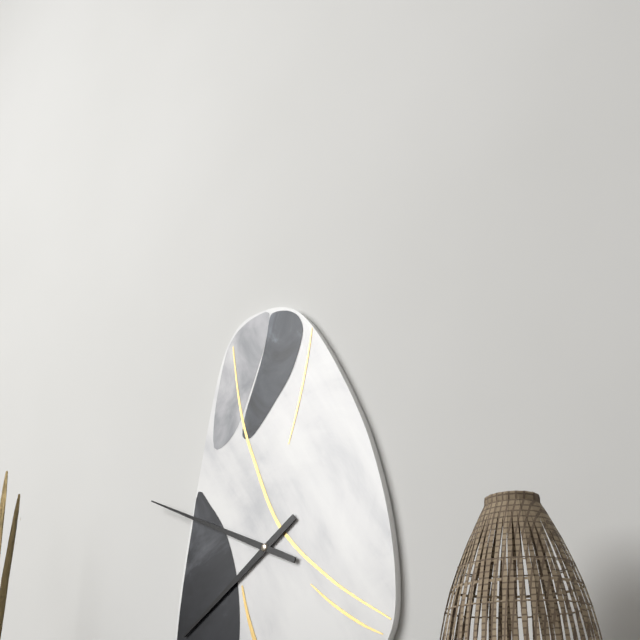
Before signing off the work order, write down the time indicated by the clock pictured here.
7:49
